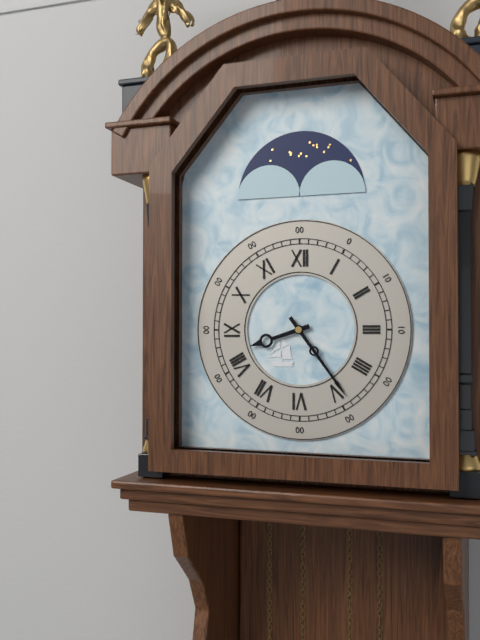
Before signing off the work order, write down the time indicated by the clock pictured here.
8:24
